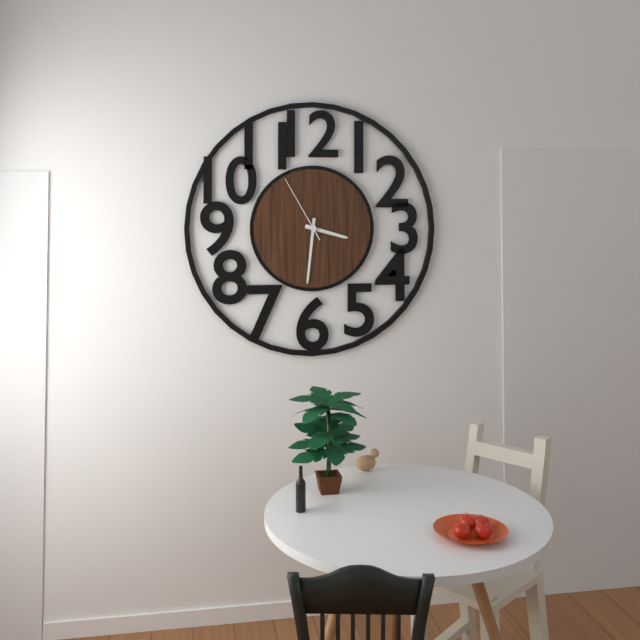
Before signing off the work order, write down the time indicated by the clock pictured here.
3:31:55
